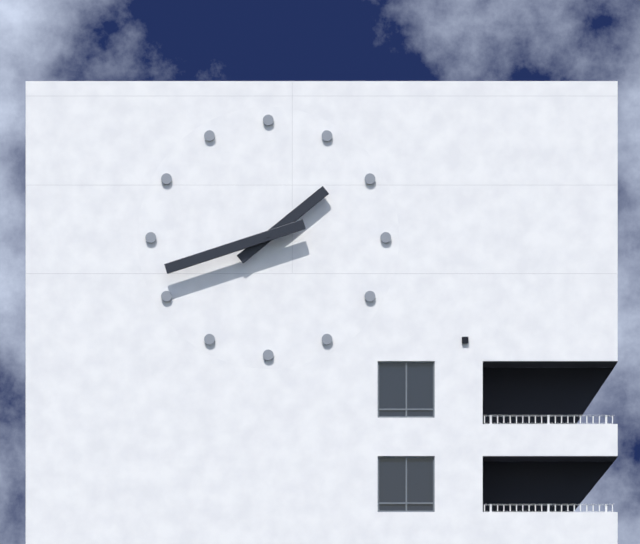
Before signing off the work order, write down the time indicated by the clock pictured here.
1:42
